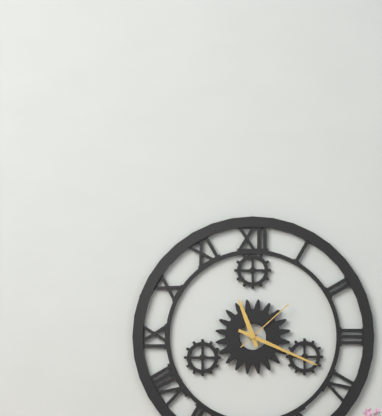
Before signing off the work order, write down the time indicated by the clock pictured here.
11:19:08
